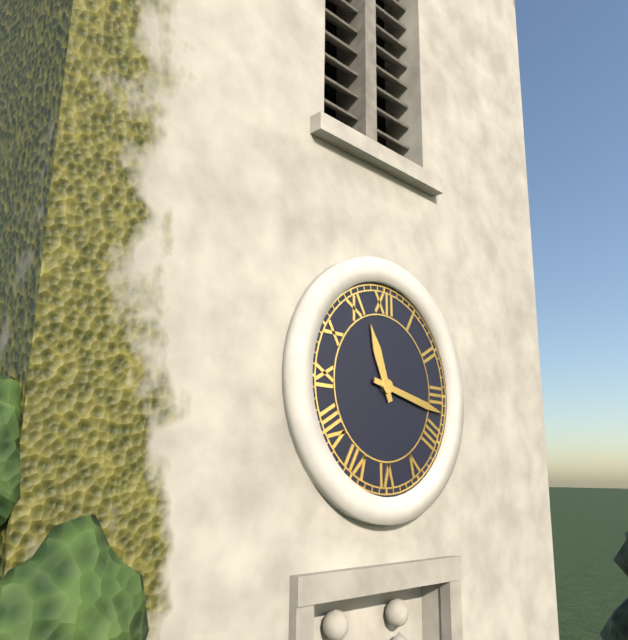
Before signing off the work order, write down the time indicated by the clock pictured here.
11:17
